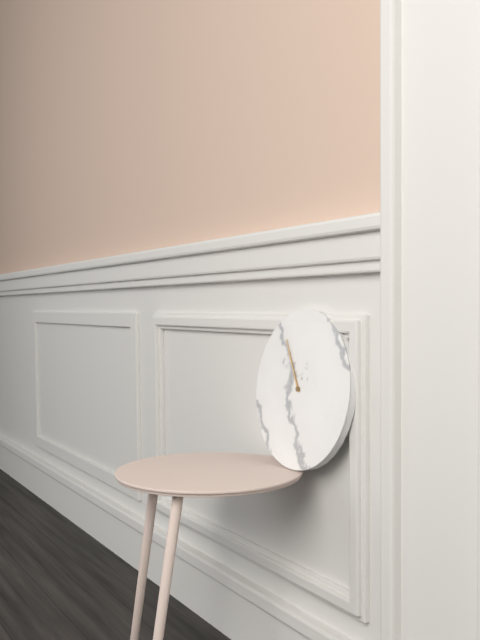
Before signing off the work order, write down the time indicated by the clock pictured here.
10:55
